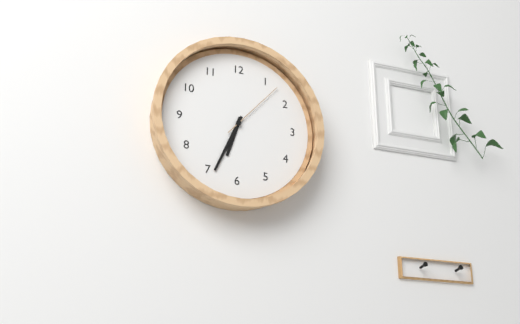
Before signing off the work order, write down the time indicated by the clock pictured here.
6:34:07
